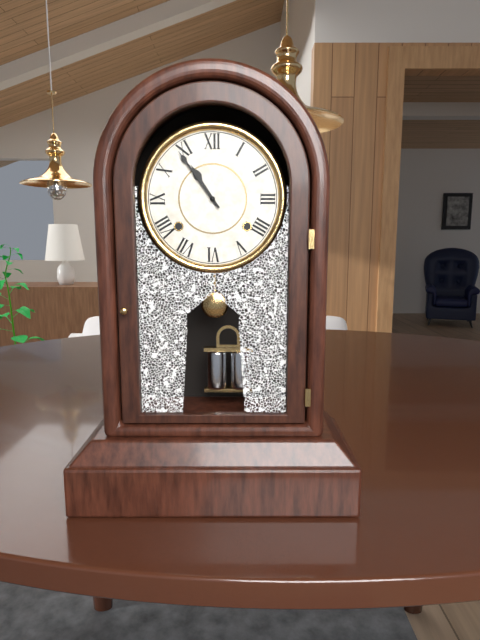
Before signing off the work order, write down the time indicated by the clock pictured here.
10:54
